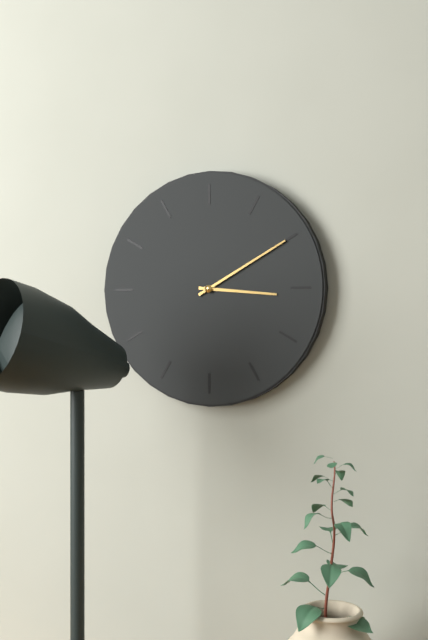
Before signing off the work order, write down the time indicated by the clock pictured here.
3:10
